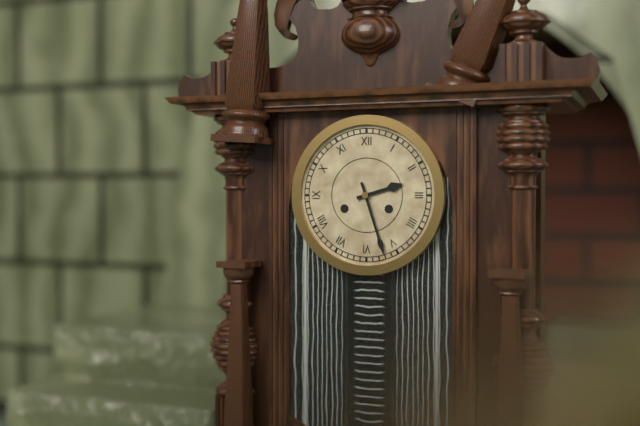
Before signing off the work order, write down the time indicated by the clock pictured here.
2:27
